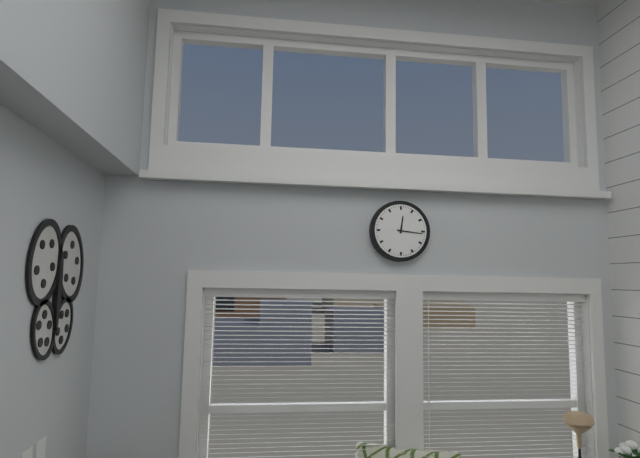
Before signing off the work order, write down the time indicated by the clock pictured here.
12:16
